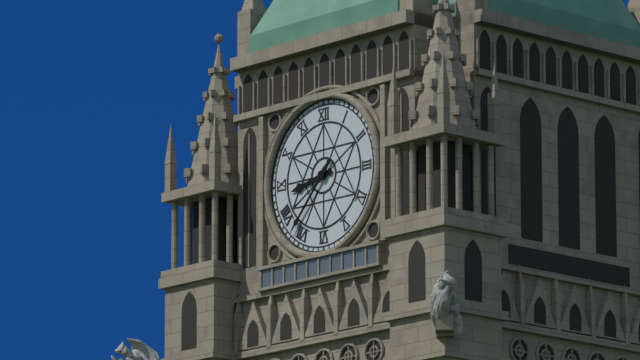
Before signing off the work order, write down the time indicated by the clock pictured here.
8:37
